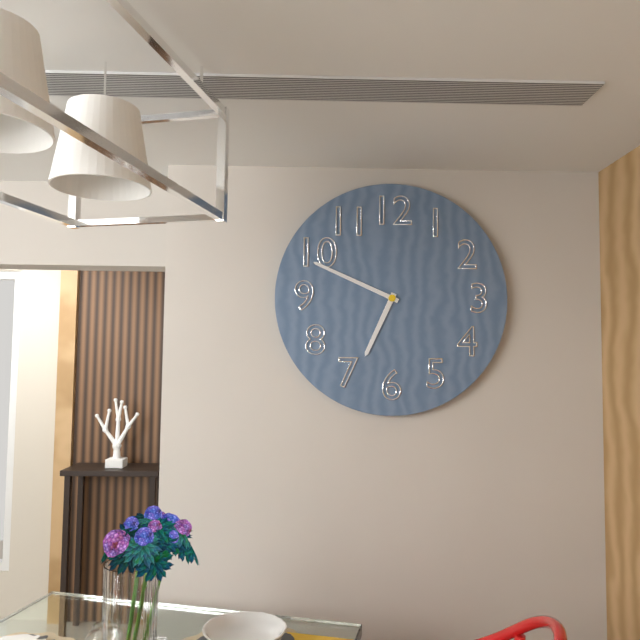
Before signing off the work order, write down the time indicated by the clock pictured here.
6:49
